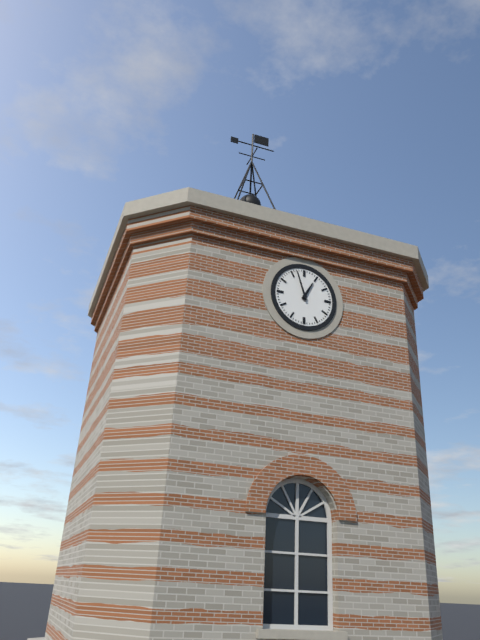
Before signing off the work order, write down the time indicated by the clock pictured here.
12:57
